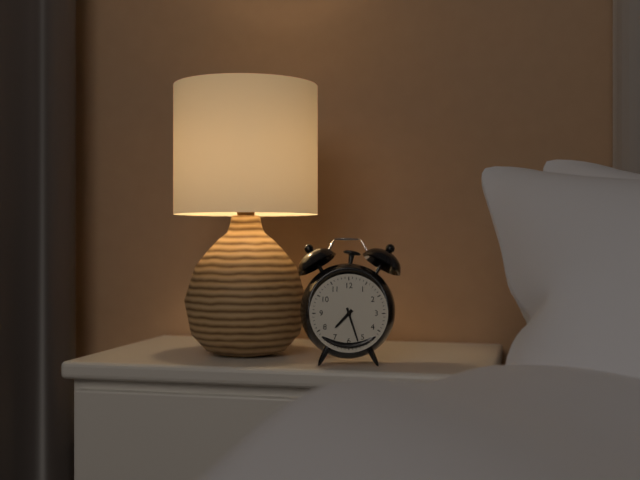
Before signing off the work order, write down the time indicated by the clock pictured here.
7:27
